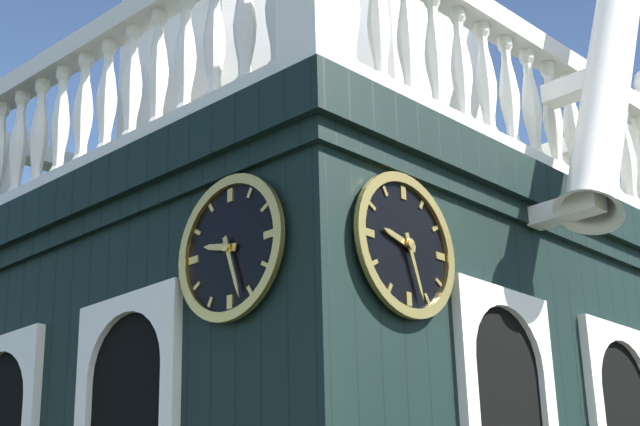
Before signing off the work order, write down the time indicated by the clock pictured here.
9:27
